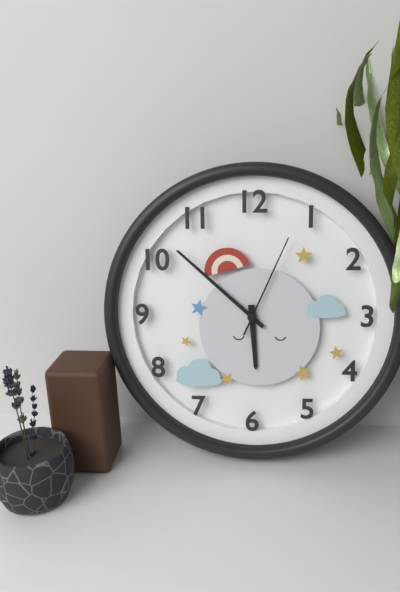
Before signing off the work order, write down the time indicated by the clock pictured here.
5:52:04
